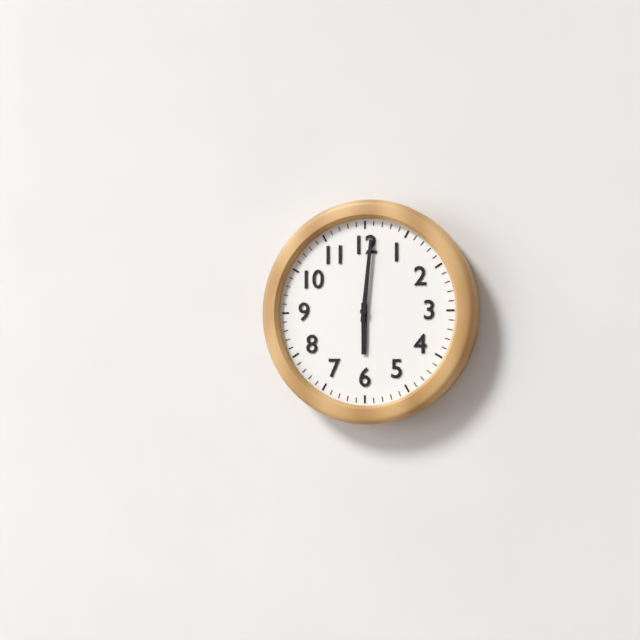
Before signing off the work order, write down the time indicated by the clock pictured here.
6:01
